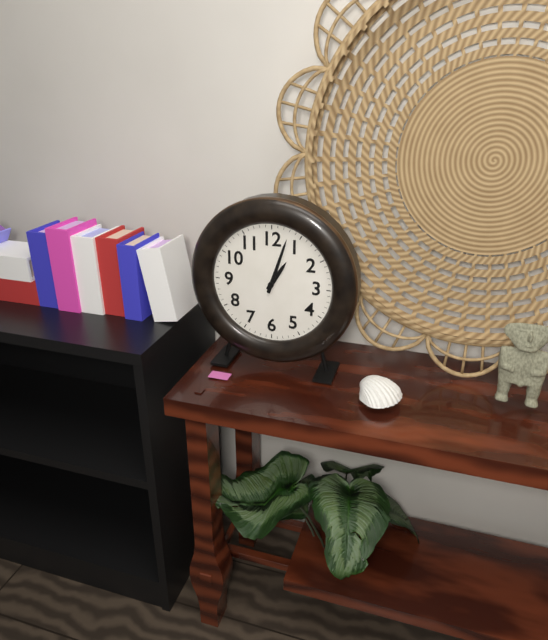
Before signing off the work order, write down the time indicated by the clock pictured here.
1:03
